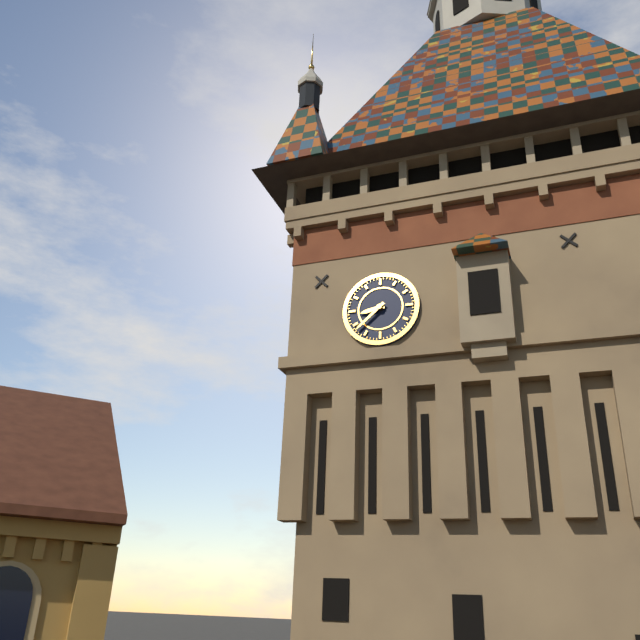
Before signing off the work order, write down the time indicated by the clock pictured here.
8:38
